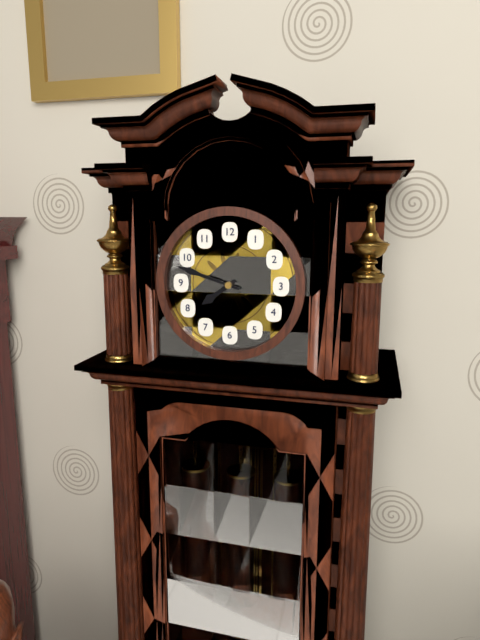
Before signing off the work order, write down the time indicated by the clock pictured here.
7:48
